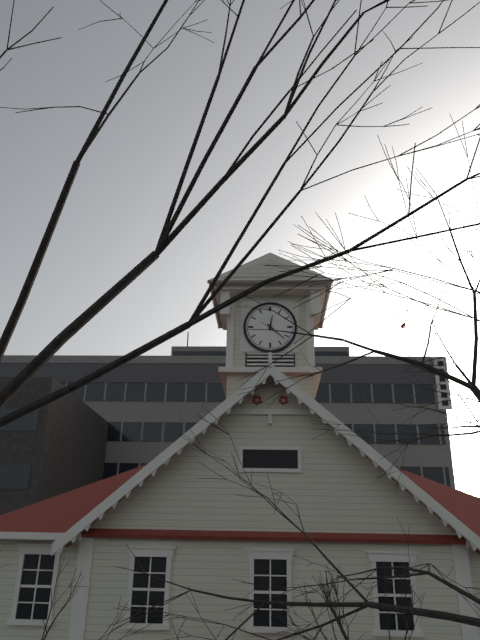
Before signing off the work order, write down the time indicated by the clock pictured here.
12:22
